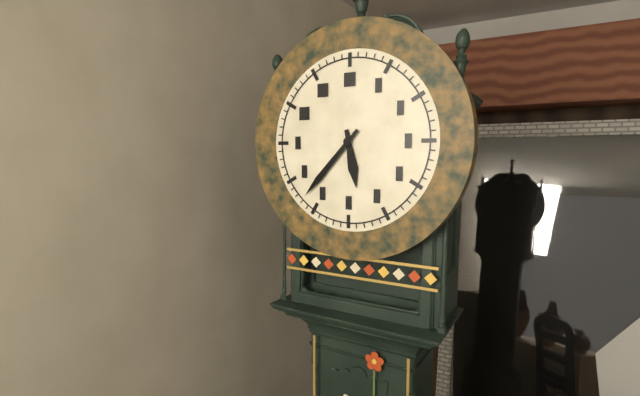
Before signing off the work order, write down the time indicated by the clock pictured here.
5:37
